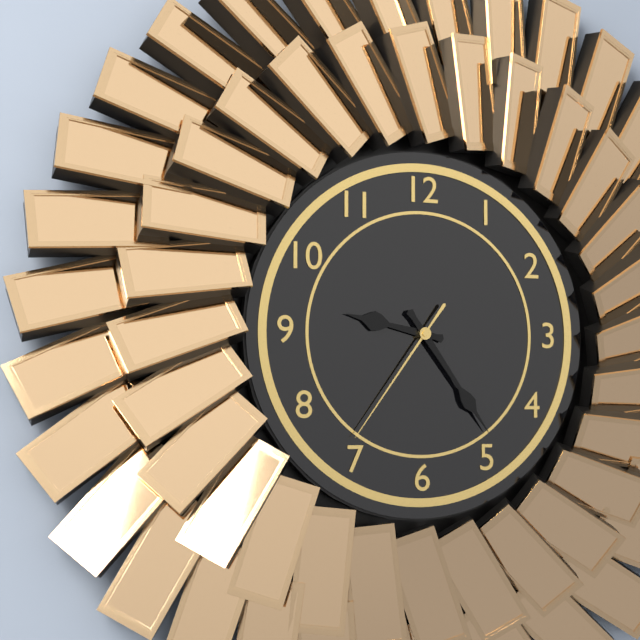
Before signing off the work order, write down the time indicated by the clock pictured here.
9:24:36
